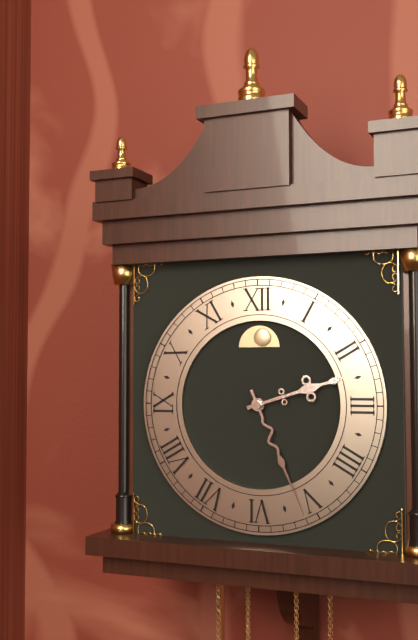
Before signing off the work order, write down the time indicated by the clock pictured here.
2:26
